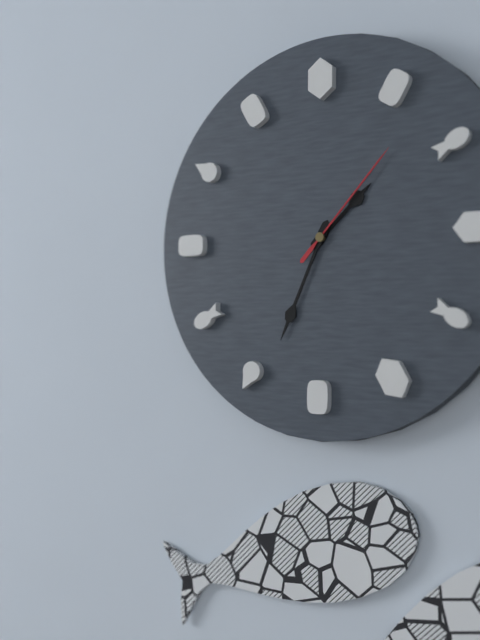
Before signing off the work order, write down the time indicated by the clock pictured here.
1:34:07
